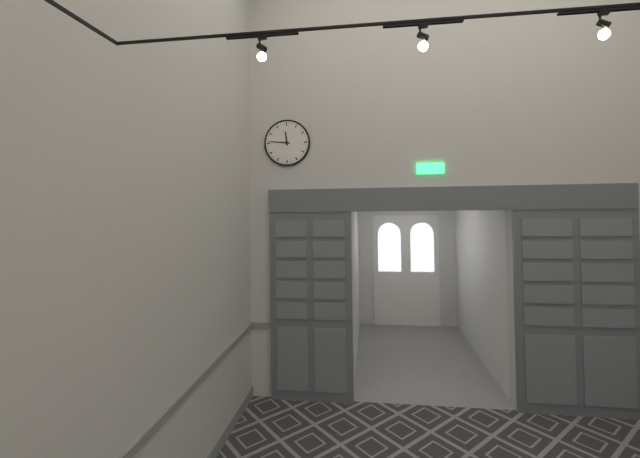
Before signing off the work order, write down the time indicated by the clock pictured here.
11:46
